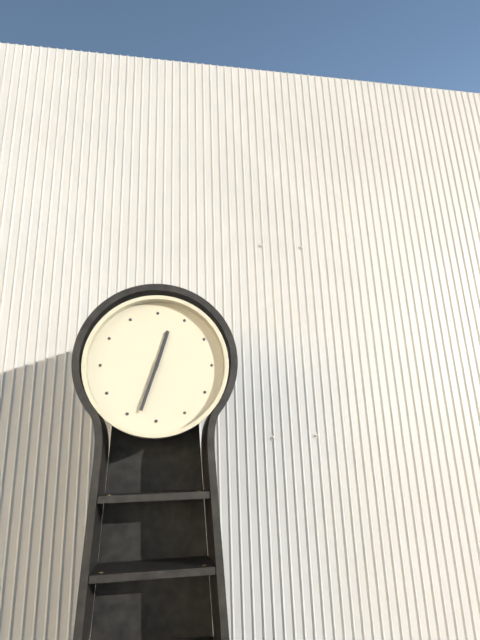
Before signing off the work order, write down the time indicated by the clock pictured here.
12:33
